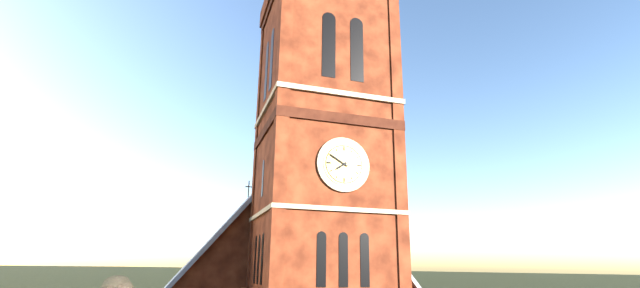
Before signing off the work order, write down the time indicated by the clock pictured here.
7:50
